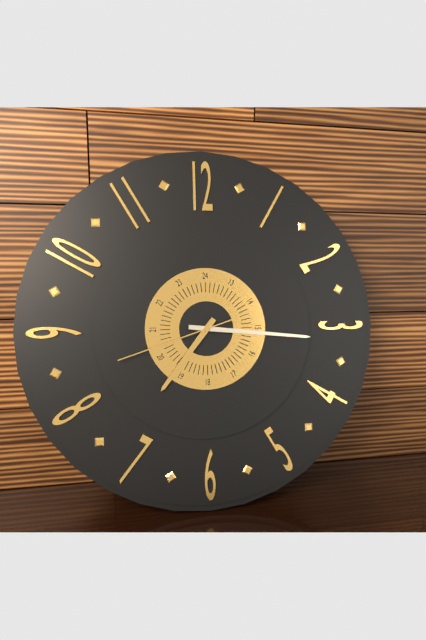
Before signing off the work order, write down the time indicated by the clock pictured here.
7:16:42
